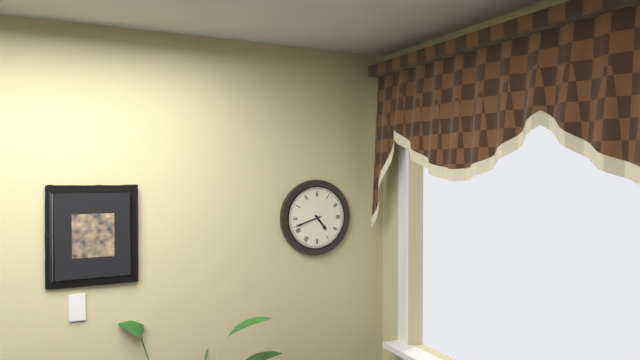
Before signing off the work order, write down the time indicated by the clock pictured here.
4:42
